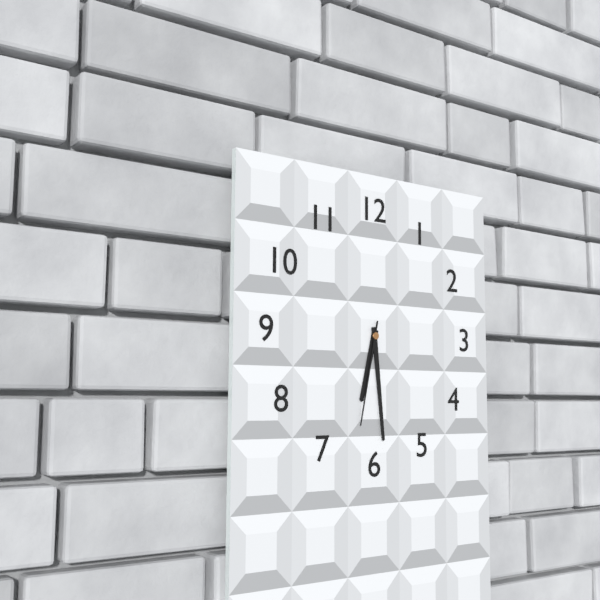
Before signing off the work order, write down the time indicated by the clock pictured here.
6:29:32
